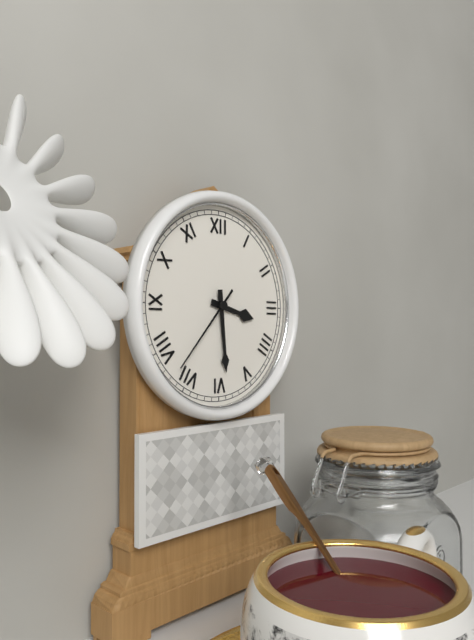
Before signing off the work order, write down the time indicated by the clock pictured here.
3:29:37
